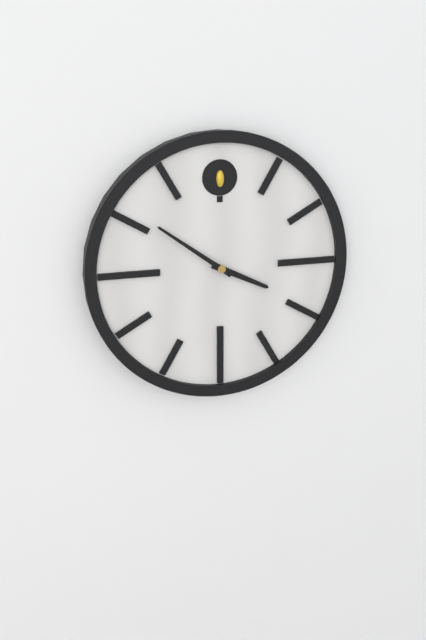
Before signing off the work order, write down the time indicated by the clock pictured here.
3:51
